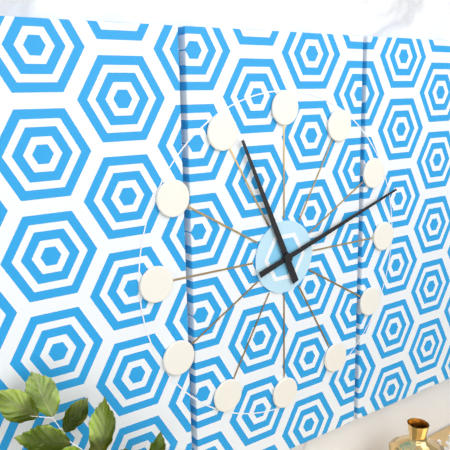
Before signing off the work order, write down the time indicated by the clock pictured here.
11:12
